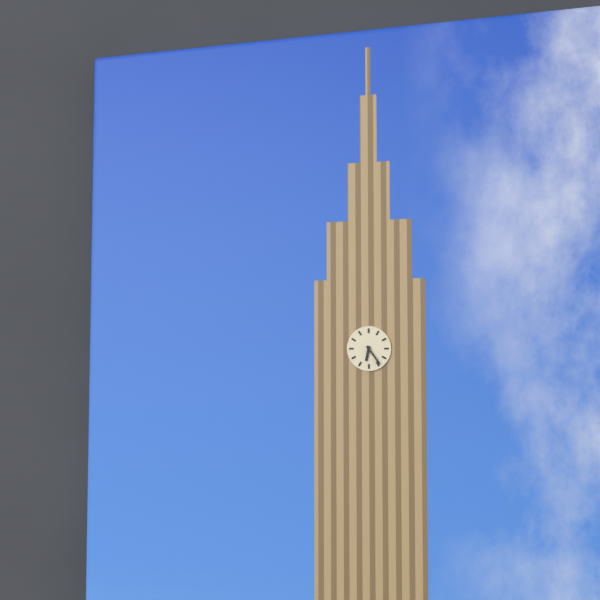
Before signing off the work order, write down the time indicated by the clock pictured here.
6:24
